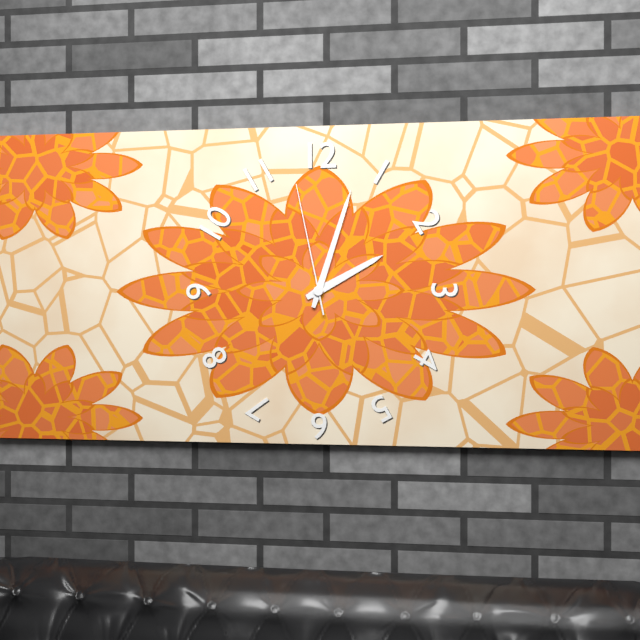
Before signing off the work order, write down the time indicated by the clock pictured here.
2:03:58
